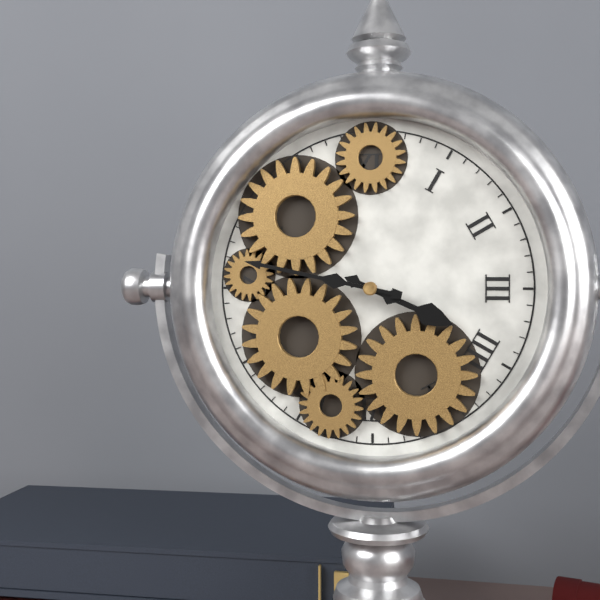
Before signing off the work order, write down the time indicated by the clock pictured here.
3:47
